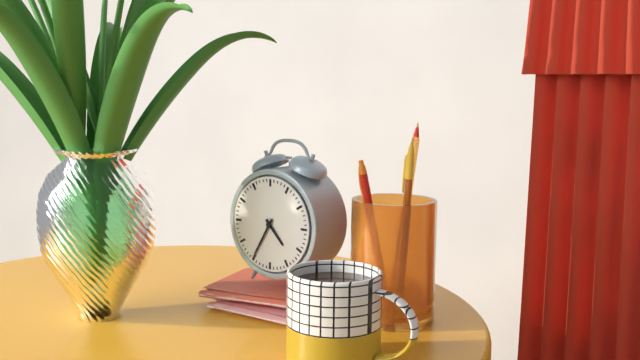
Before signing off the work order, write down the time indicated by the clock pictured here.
4:35
